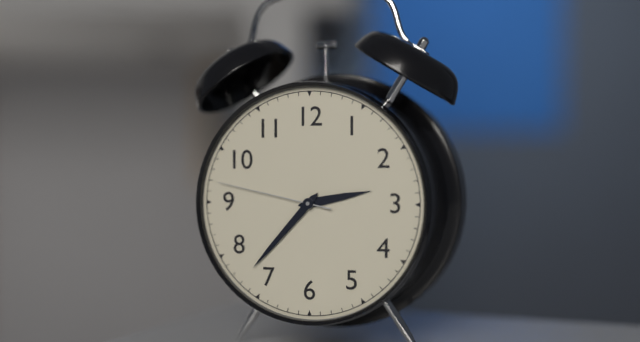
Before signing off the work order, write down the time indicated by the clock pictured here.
2:37:47
